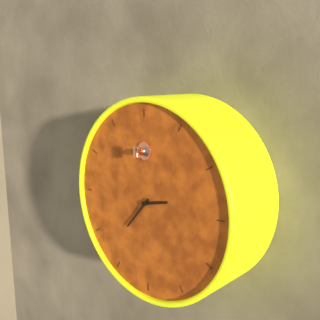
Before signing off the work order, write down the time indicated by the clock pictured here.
2:37
